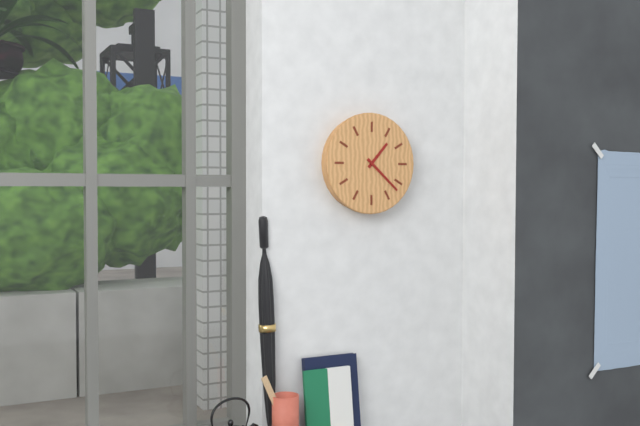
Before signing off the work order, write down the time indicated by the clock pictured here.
1:22
